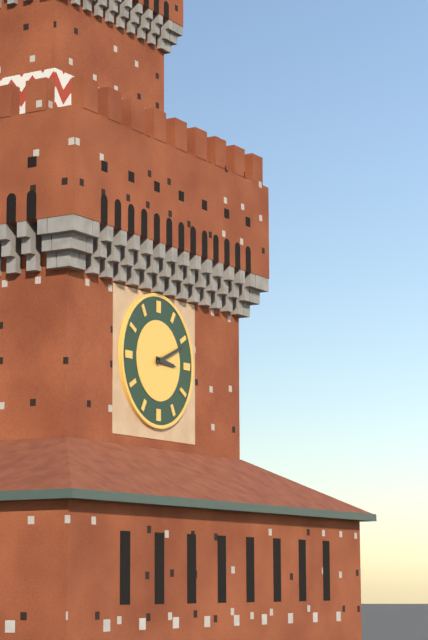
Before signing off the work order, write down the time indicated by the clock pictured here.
3:11
